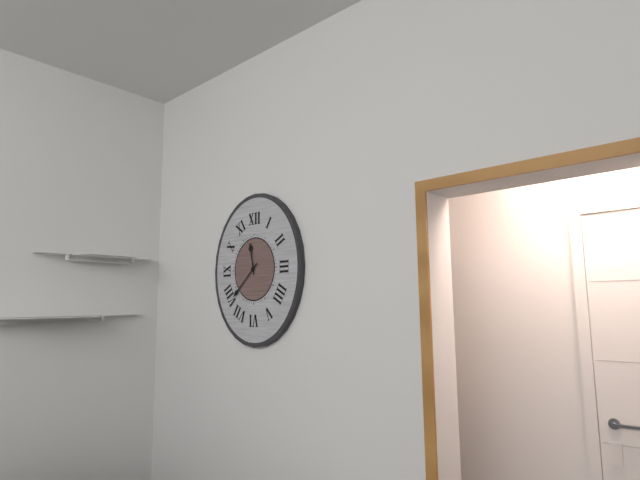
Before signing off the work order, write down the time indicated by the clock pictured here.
11:38
